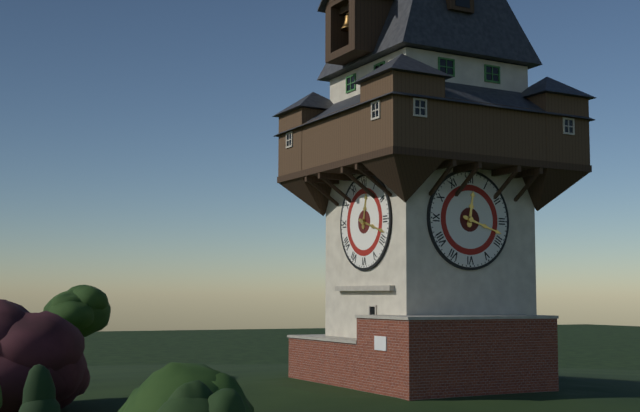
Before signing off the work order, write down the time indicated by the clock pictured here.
12:18
